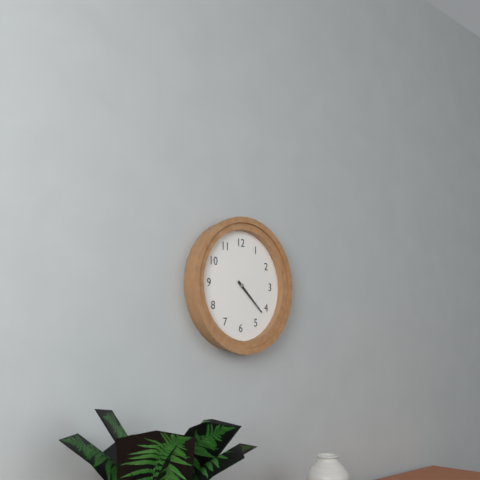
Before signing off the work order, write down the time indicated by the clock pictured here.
4:22
